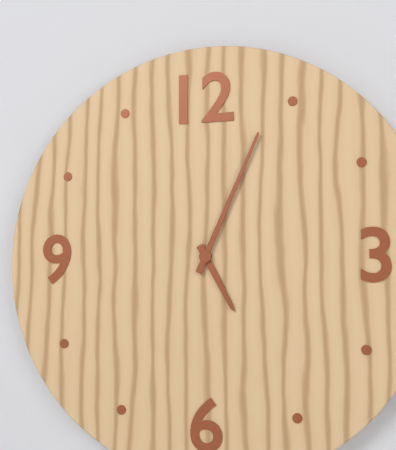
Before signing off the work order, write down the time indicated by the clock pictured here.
5:04
